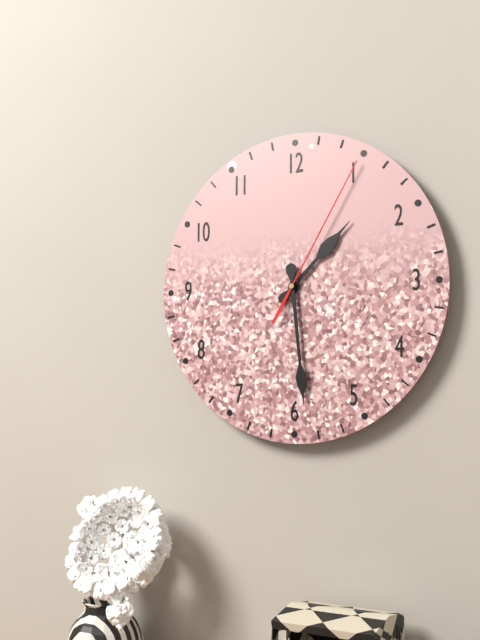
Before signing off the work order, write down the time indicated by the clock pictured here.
1:29:05
